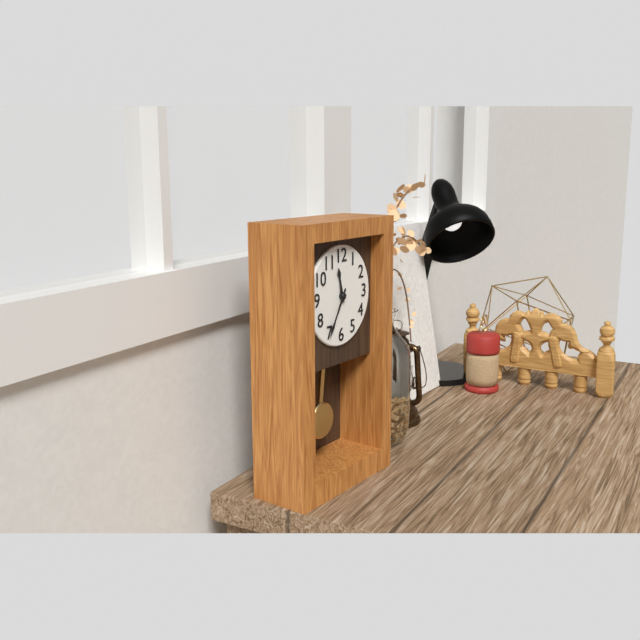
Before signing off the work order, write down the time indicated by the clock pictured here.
11:35
